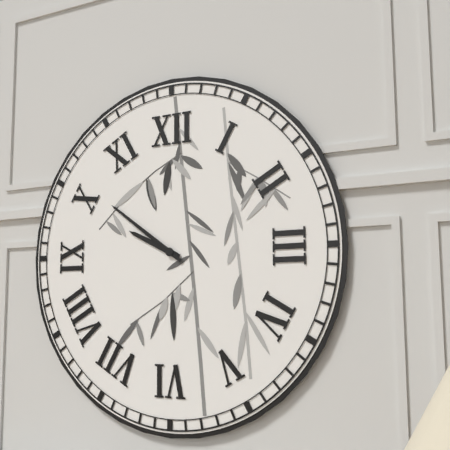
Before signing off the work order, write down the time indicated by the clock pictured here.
9:51
